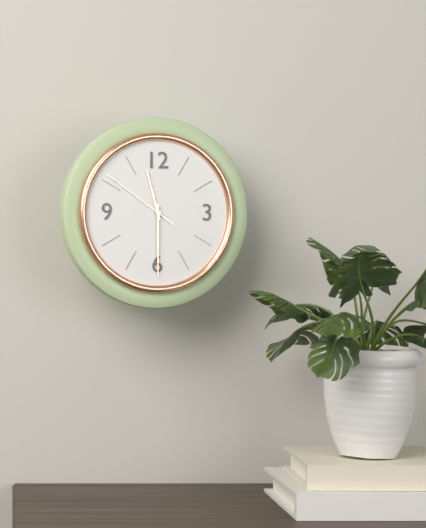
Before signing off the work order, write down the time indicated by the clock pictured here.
11:30:51
